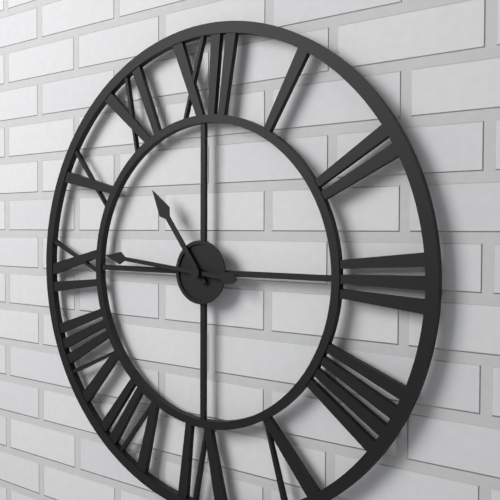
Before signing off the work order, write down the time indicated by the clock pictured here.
10:46
